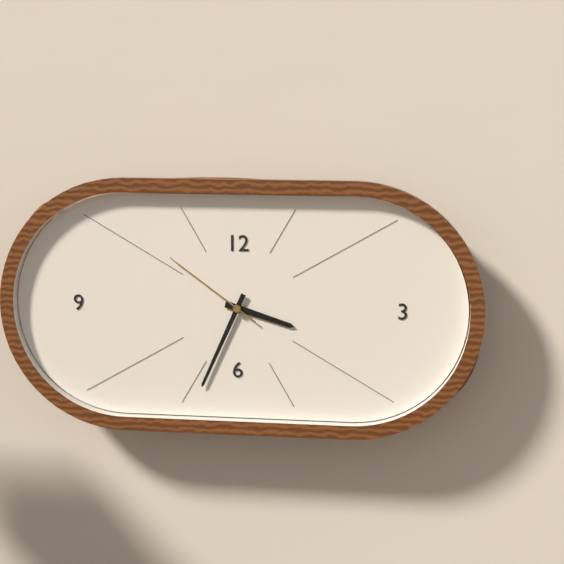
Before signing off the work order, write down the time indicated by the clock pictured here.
3:34:51
